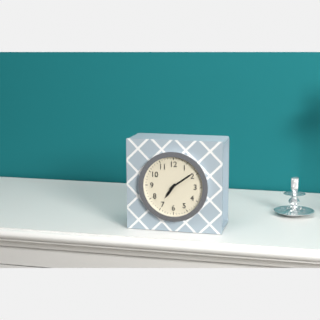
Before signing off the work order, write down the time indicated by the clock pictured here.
7:09
